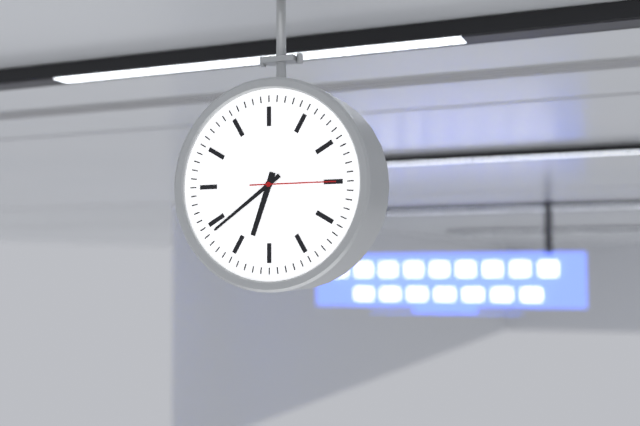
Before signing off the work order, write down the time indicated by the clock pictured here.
6:39:15
